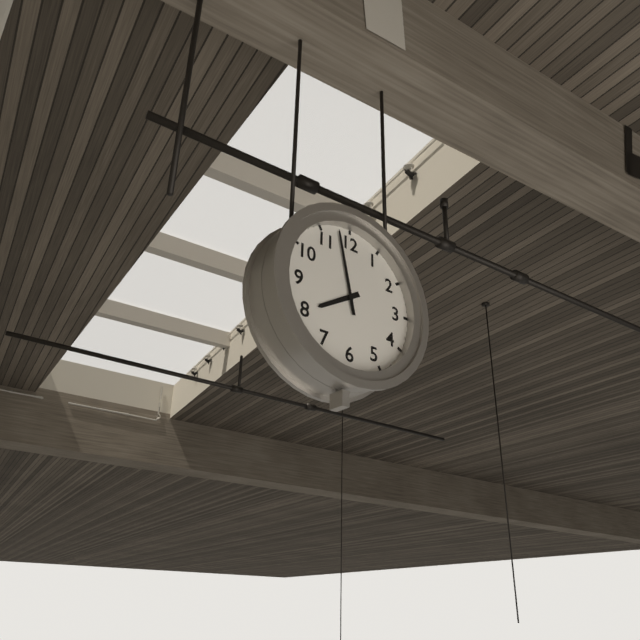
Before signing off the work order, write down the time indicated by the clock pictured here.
7:58
